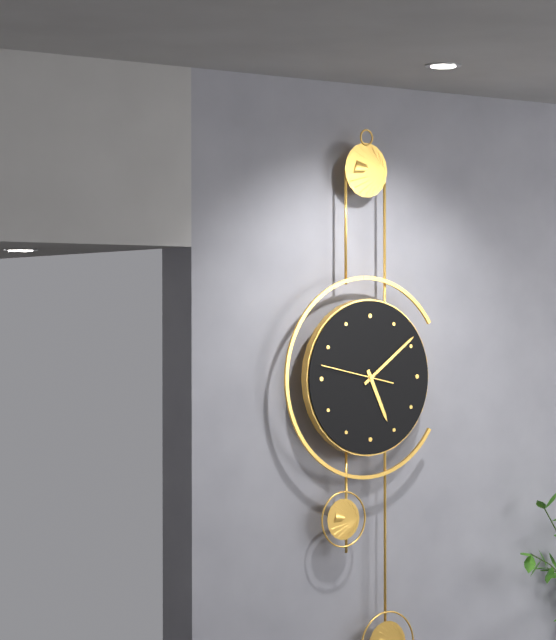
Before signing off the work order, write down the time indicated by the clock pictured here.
5:09:47
